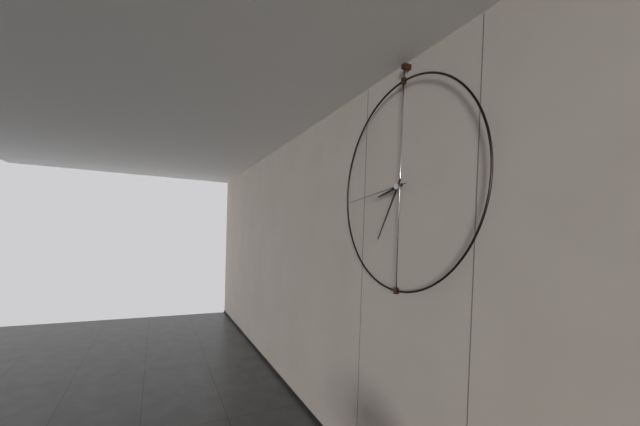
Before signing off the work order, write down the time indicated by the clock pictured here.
8:35:44
